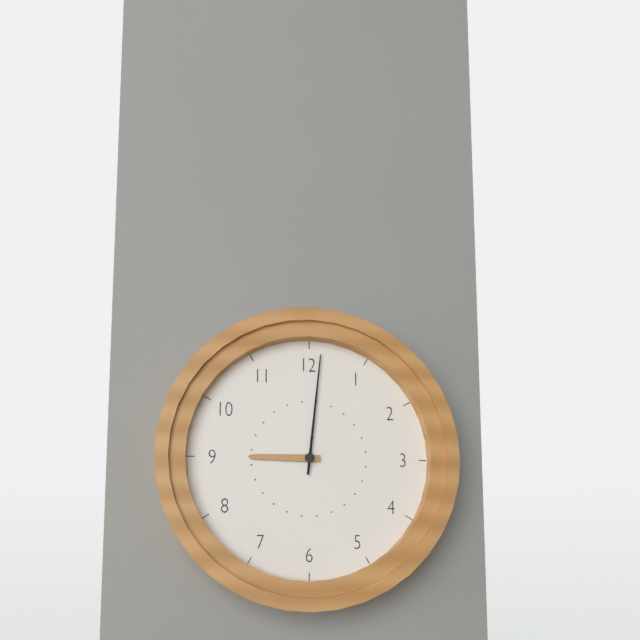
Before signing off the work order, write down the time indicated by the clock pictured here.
9:01
